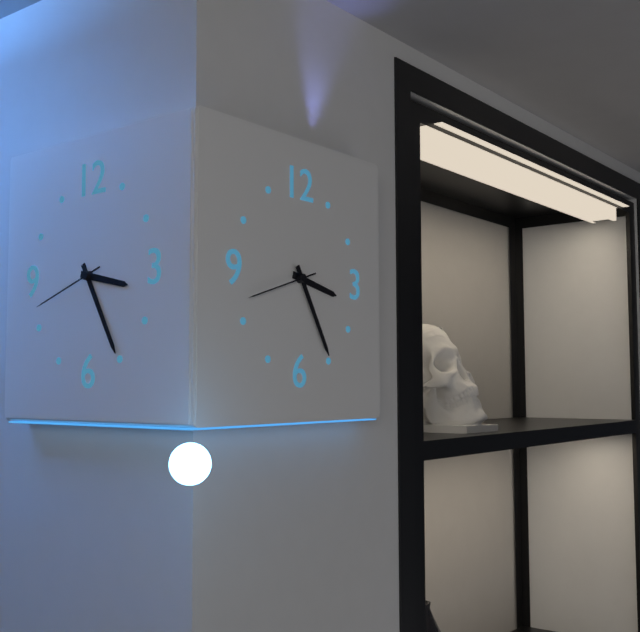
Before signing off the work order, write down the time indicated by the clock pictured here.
3:25:42
